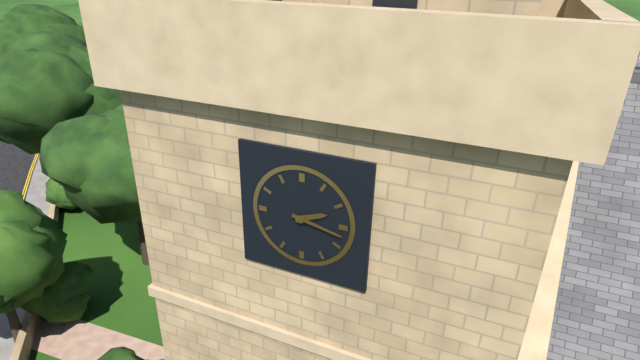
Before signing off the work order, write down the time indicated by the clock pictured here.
2:17
